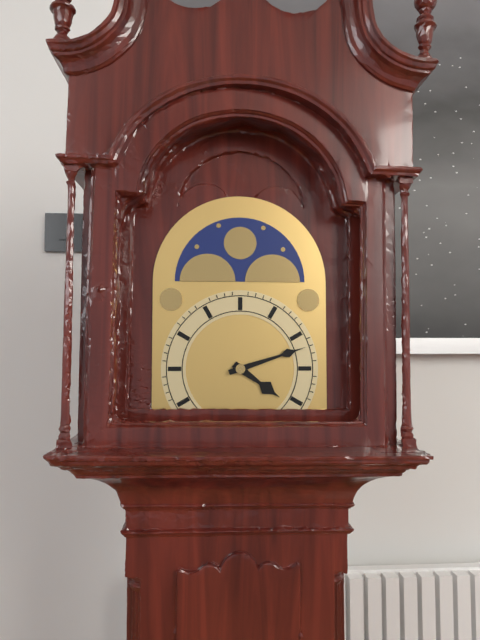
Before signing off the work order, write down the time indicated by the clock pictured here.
4:12
